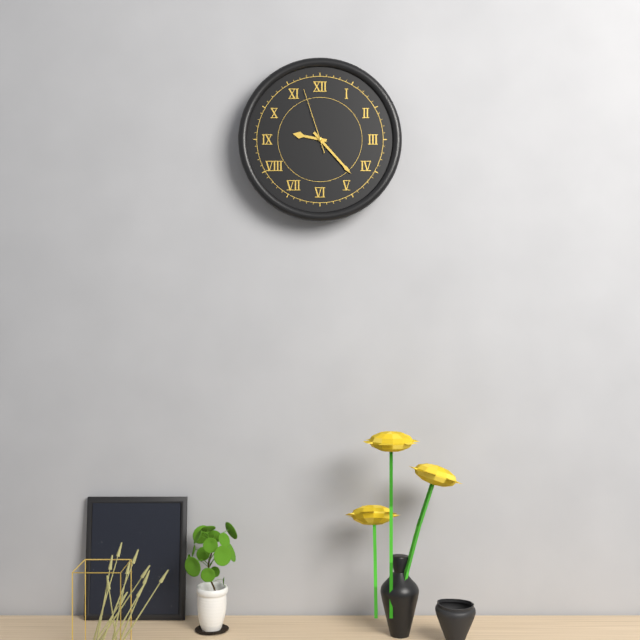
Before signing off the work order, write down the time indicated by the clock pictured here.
9:23:57
